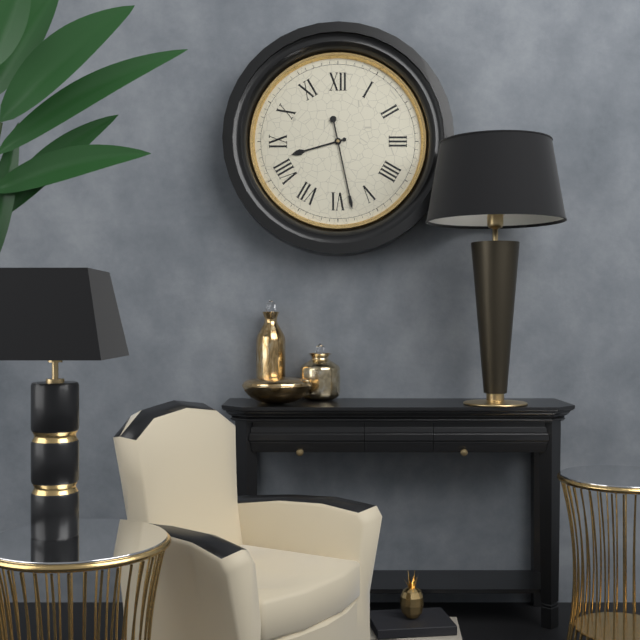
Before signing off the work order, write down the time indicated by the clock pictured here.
8:28
